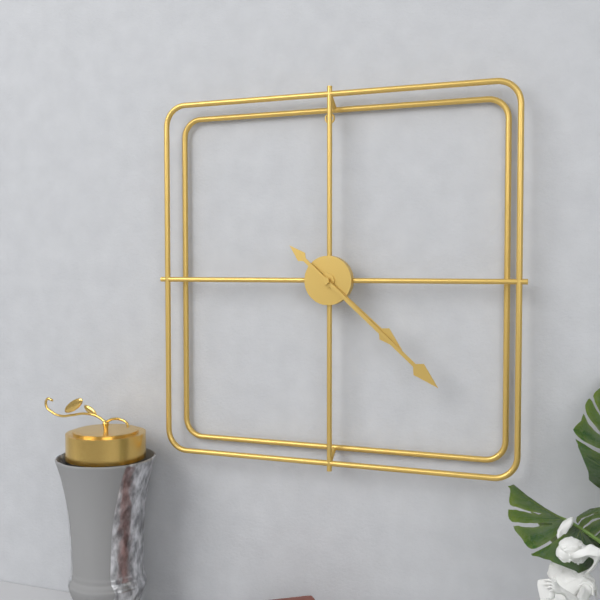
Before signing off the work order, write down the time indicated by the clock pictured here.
4:22
